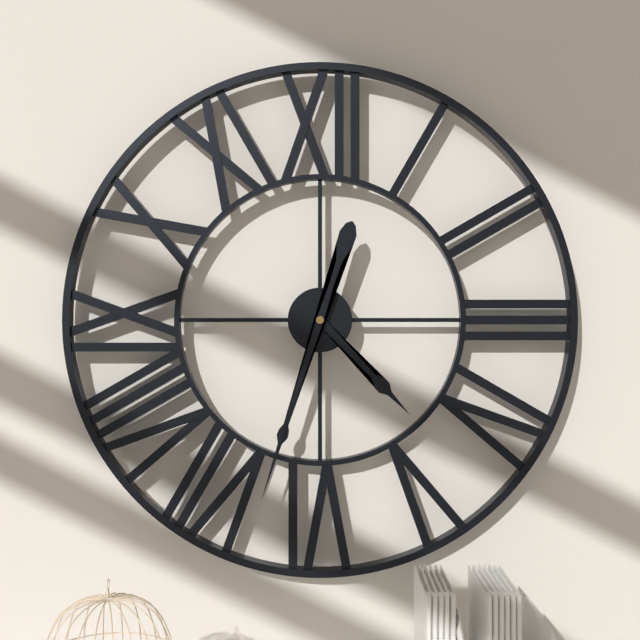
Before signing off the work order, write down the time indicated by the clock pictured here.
4:33
